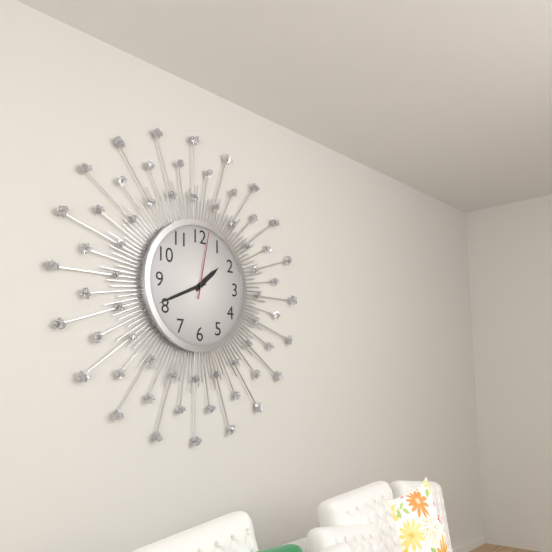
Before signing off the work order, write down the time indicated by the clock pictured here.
1:41:02
